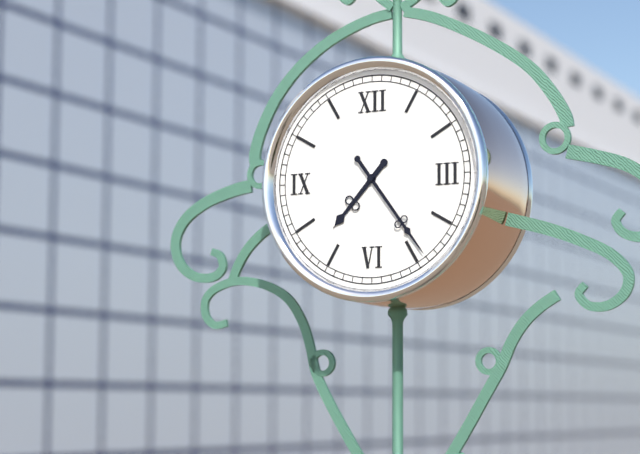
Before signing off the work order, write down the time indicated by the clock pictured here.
7:24
